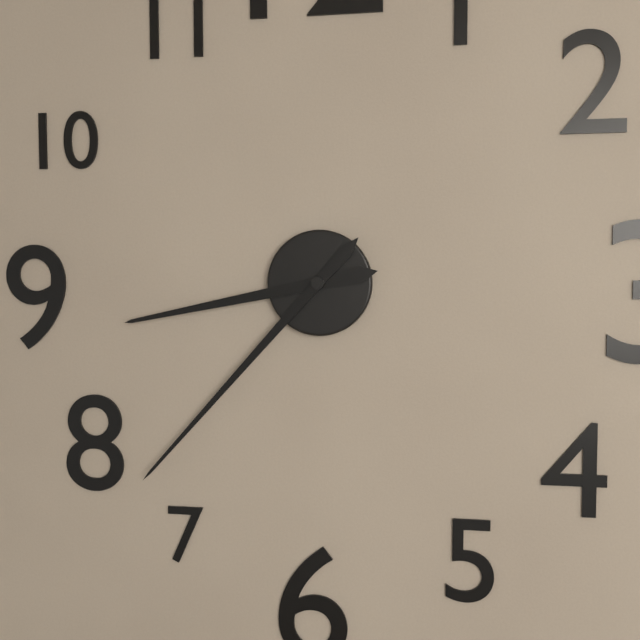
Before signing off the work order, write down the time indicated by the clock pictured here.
8:37
